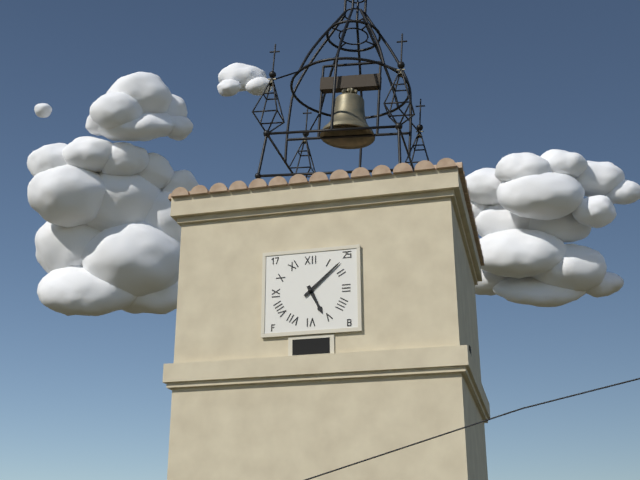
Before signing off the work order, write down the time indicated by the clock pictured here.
5:08
